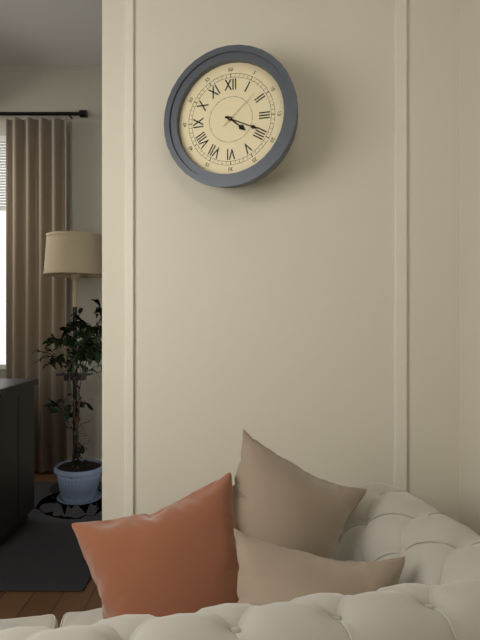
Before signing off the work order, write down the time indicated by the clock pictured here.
4:19
